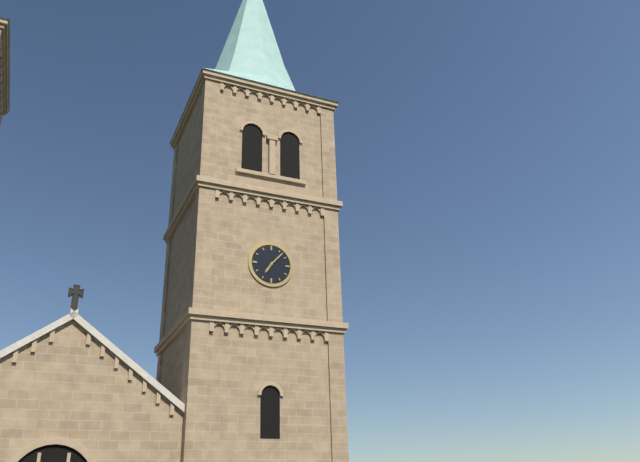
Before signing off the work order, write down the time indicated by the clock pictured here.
7:07
